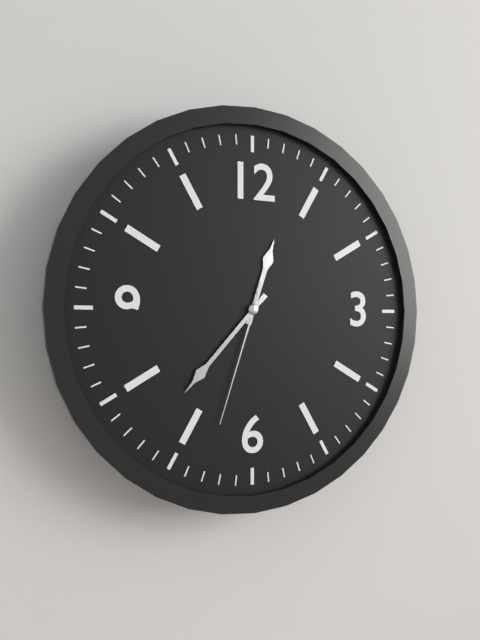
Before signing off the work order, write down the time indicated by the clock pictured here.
12:37:33
